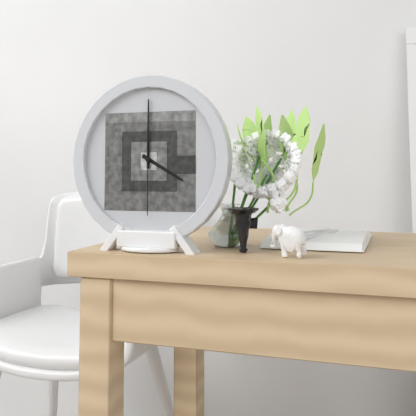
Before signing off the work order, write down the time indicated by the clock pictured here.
4:00:30
